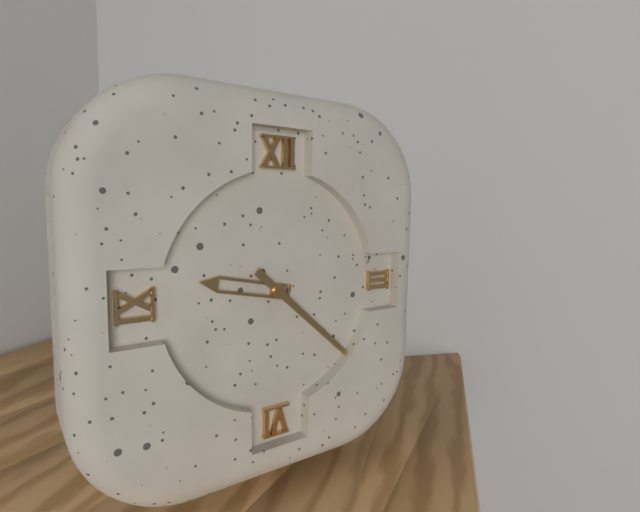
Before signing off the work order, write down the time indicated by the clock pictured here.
9:22
